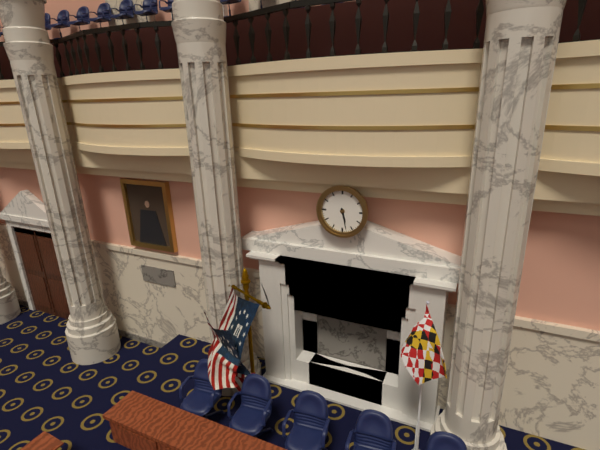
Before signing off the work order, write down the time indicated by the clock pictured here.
5:28
